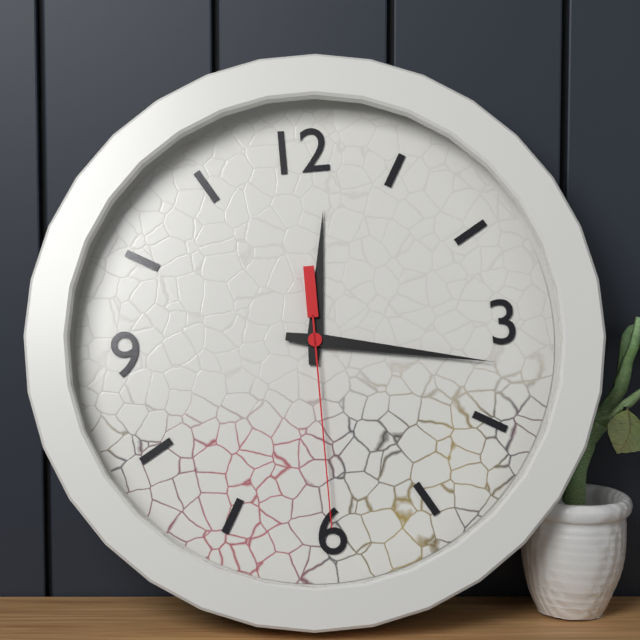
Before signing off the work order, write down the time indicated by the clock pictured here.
12:17:30
